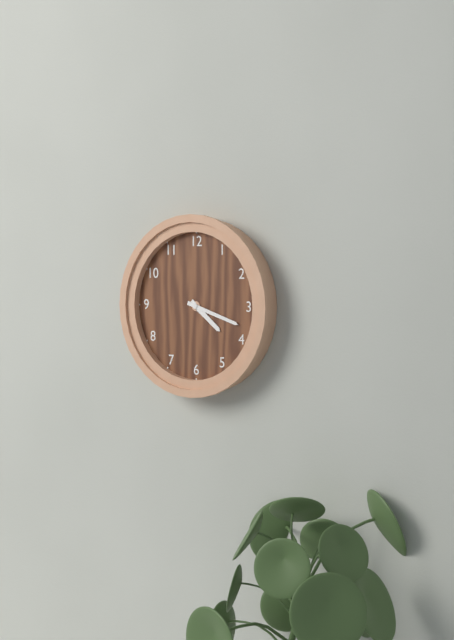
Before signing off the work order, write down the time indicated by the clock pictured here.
4:18
